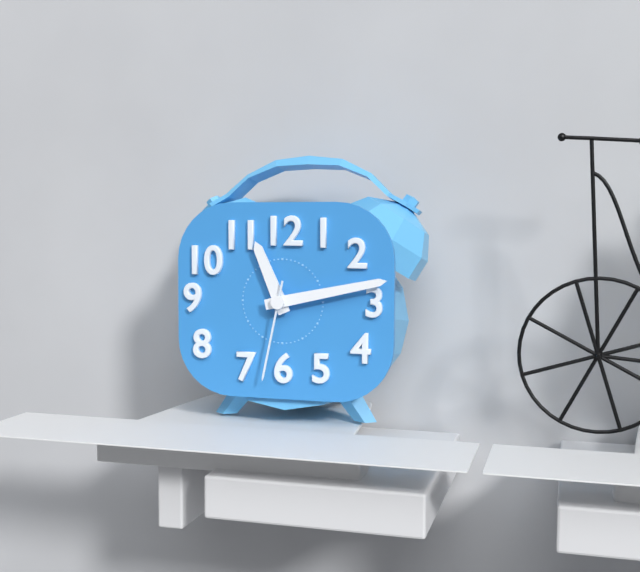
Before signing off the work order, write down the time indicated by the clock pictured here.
11:13:32
